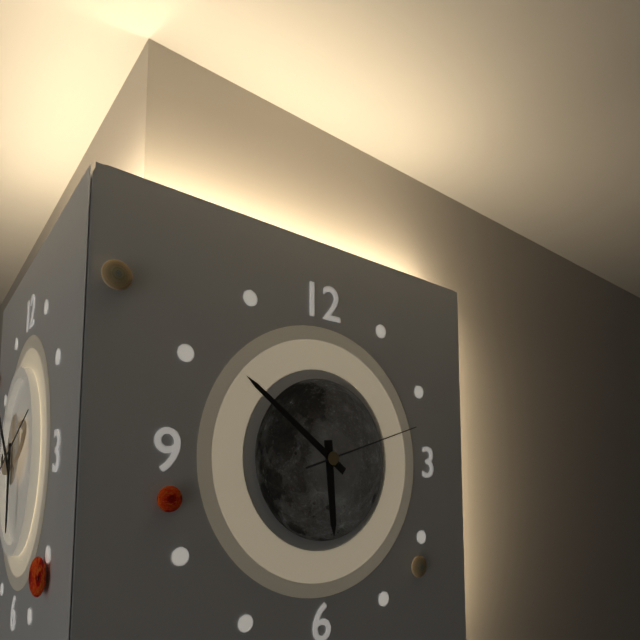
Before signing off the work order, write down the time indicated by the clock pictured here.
5:51:12
